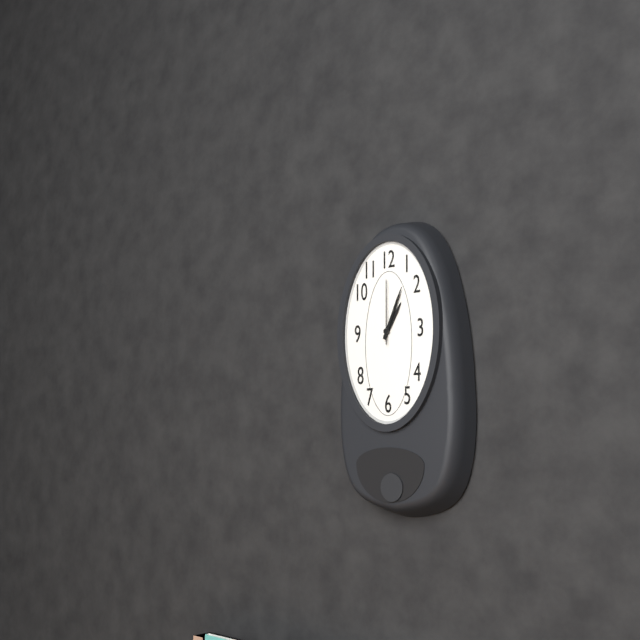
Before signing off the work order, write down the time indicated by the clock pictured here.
1:04:00
